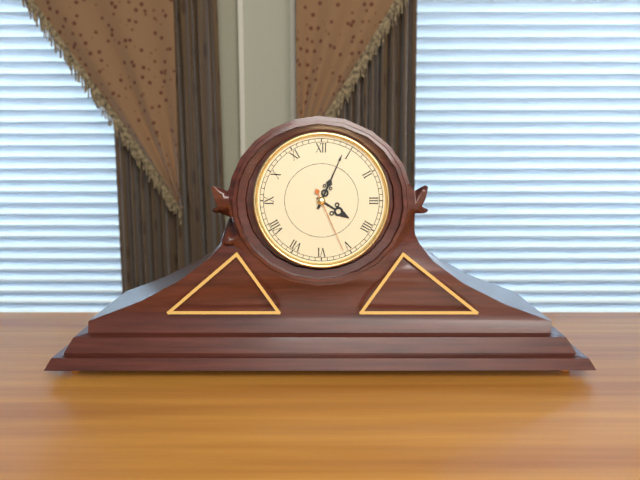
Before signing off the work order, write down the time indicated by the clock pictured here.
4:04:26
